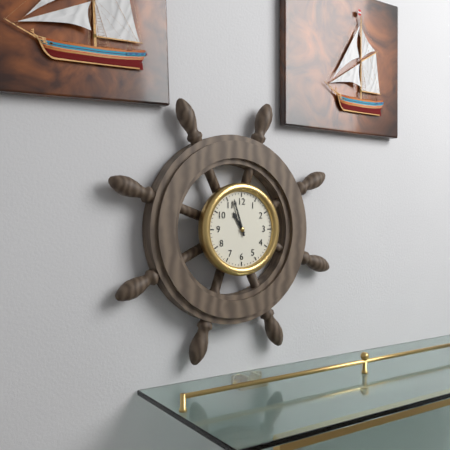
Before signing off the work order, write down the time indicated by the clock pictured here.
10:57
